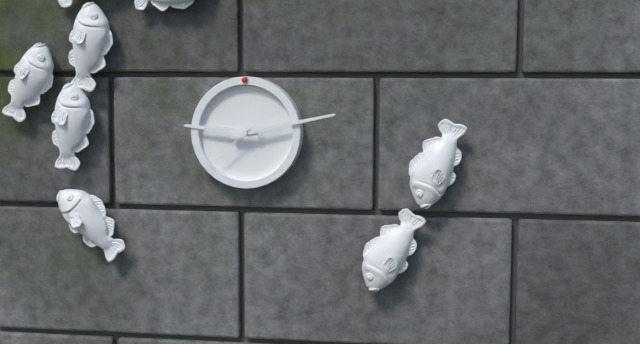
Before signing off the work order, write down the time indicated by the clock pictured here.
9:13:38
